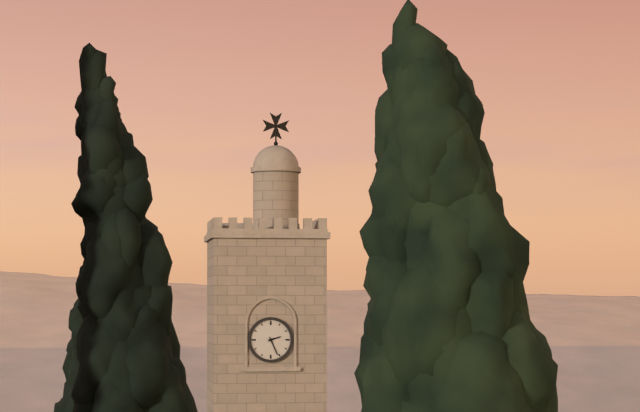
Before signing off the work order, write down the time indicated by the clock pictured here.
2:26
